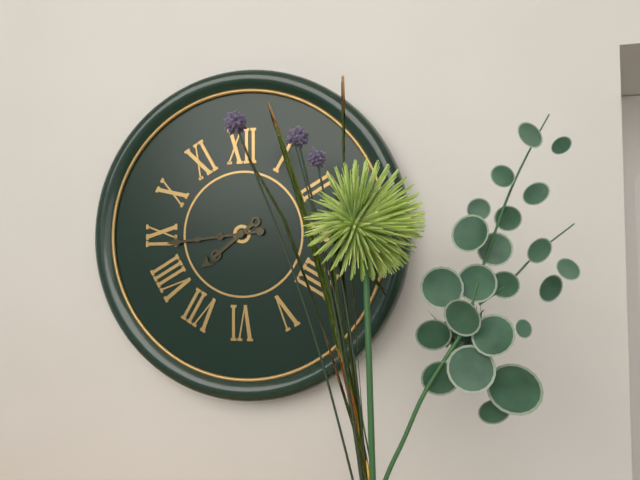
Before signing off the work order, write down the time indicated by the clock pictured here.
7:44
